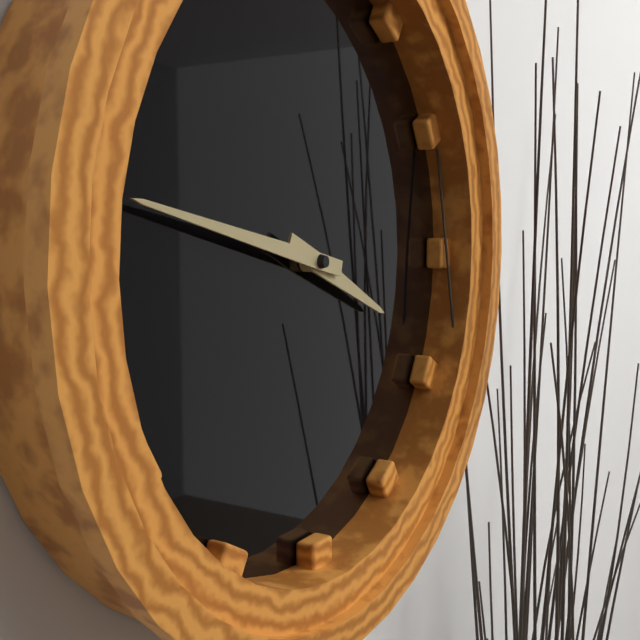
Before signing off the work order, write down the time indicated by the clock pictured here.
3:47
